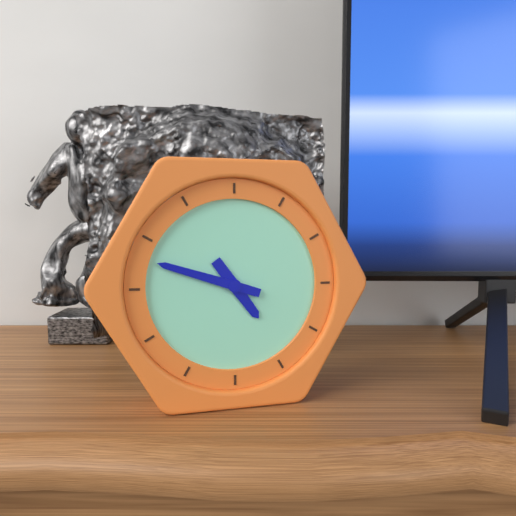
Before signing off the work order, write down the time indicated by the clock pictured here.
4:48
